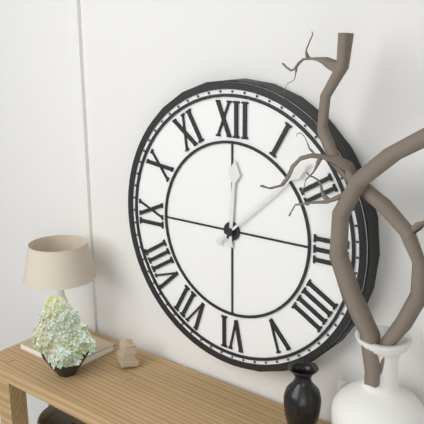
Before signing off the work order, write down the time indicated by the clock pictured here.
12:08
